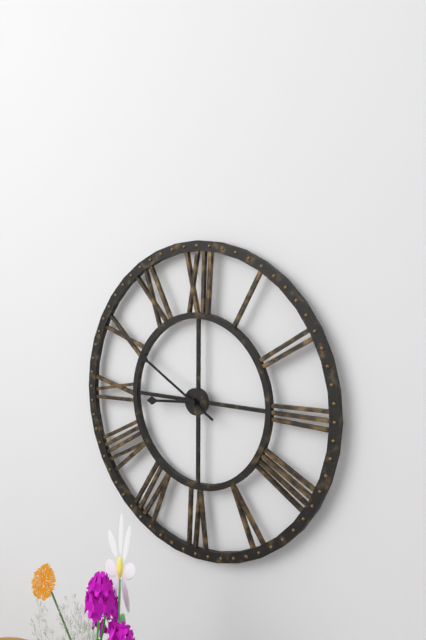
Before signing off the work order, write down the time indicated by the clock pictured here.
8:50
